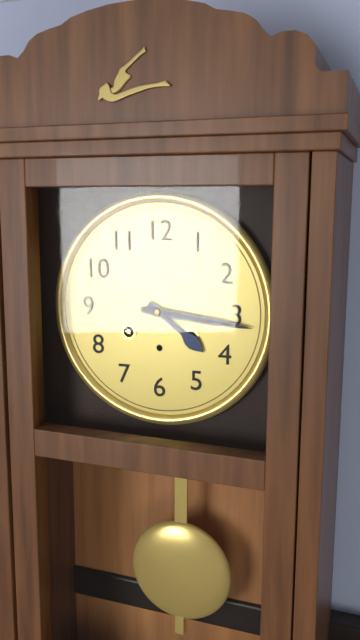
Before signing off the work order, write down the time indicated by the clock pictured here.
4:16
